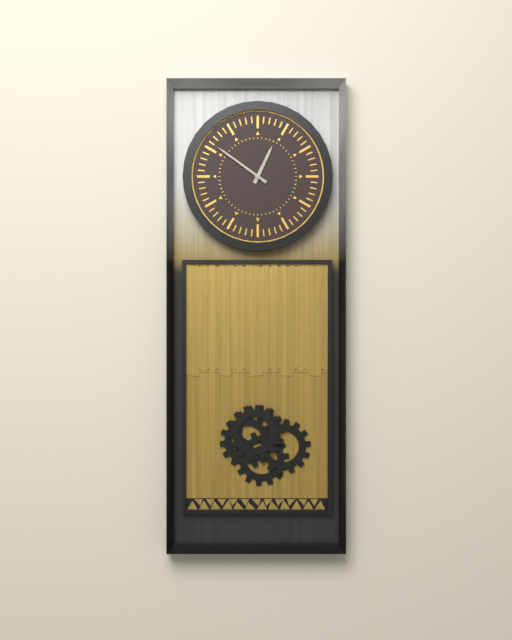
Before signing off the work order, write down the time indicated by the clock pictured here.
12:51
